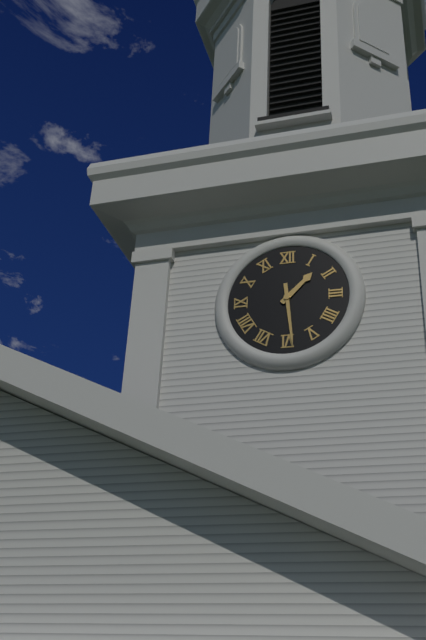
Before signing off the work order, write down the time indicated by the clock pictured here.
1:29
